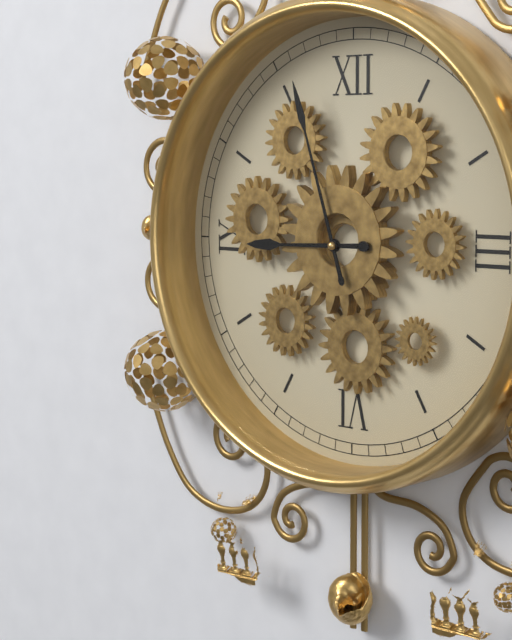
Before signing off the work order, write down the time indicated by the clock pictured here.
8:57
